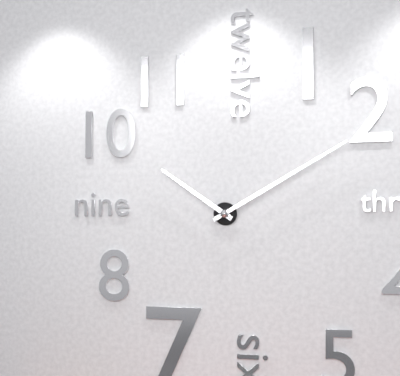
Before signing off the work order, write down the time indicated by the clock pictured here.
10:10
